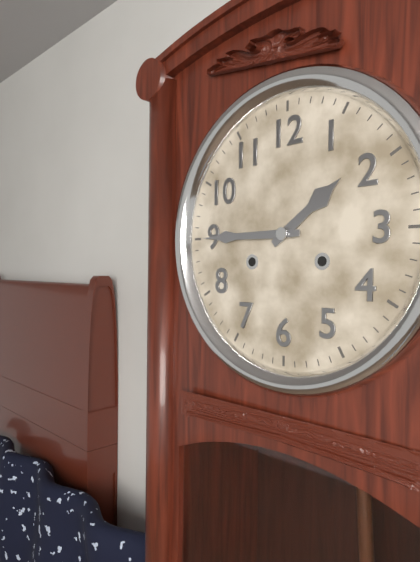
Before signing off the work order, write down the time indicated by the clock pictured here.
1:45
